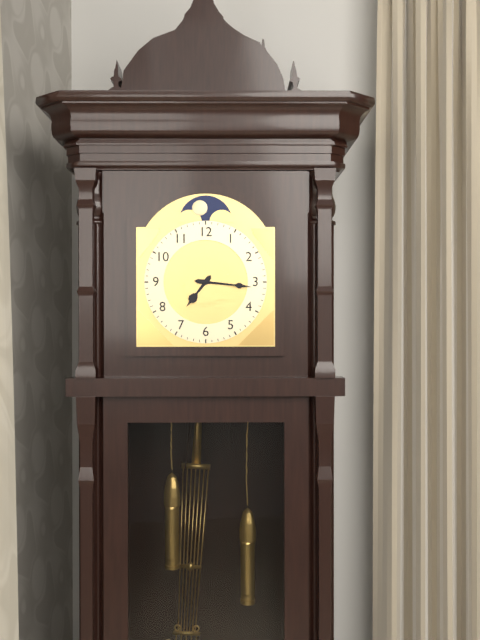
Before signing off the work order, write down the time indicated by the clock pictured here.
7:16
